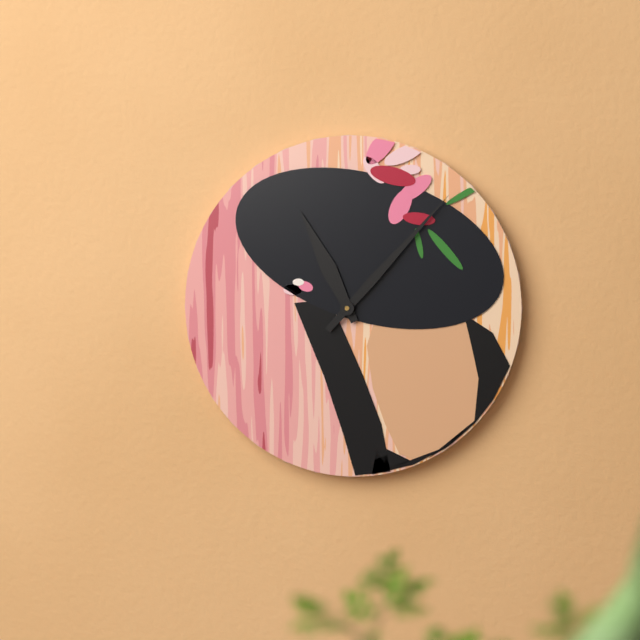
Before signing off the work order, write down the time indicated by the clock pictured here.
11:07
